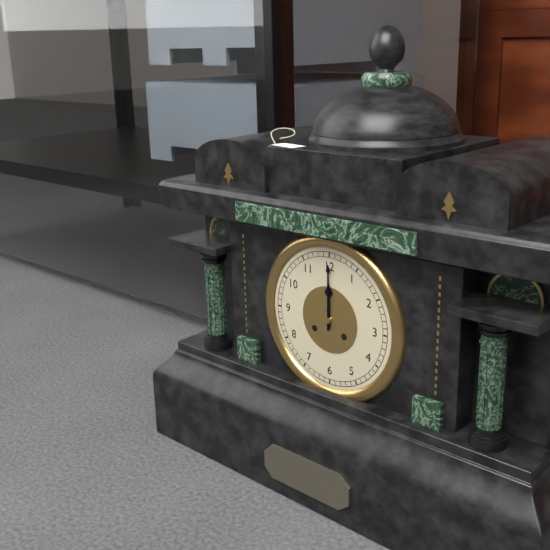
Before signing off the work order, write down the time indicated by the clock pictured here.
12:00
